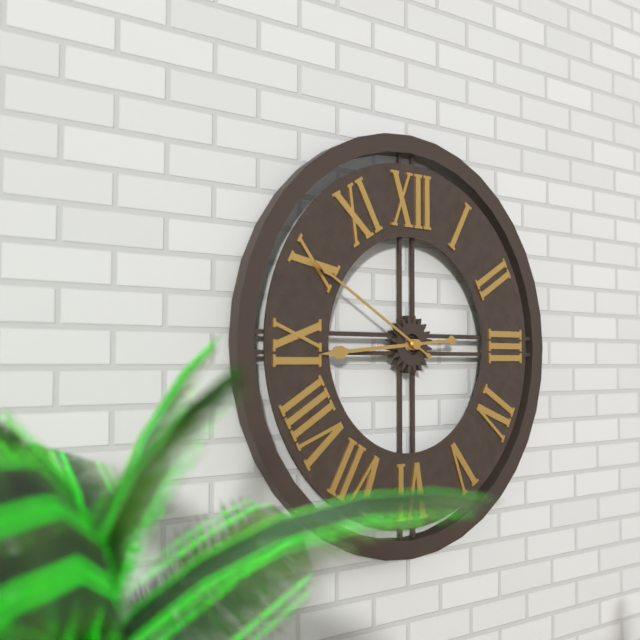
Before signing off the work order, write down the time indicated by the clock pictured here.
8:50
